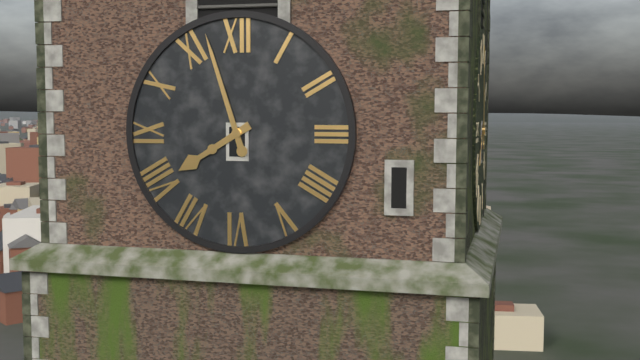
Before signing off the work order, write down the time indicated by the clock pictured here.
7:57
